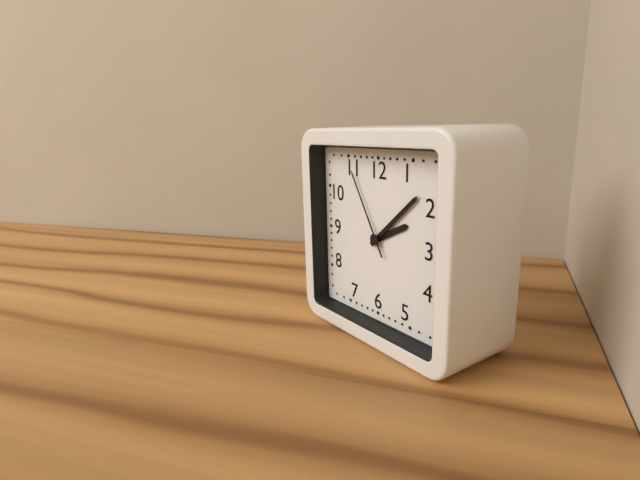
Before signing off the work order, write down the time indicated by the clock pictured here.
2:08:55
